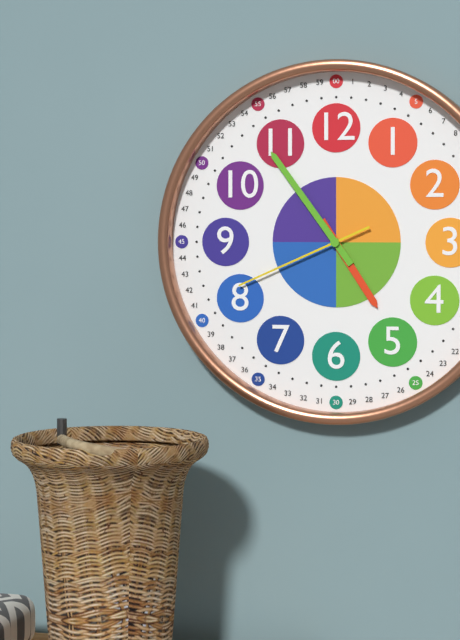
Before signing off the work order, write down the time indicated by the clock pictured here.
4:54:41
